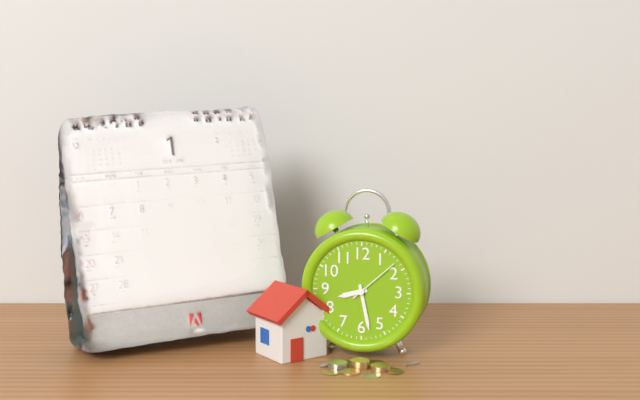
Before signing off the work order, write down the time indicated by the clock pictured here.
8:28:08
